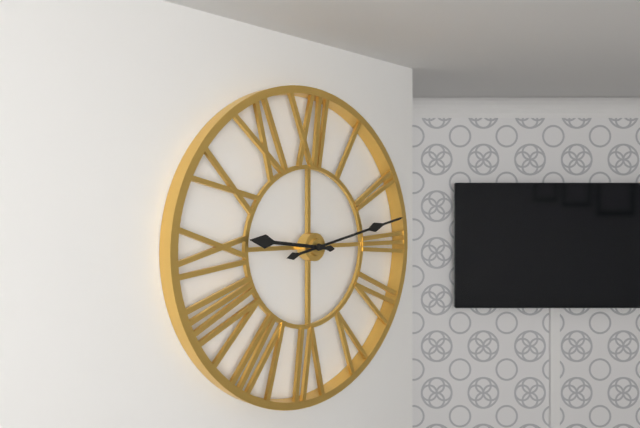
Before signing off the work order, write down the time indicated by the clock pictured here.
9:13
